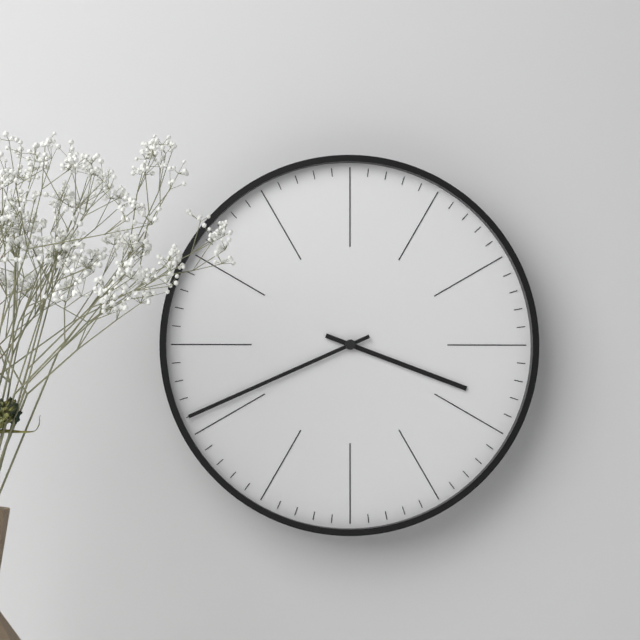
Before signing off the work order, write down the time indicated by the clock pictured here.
3:41
